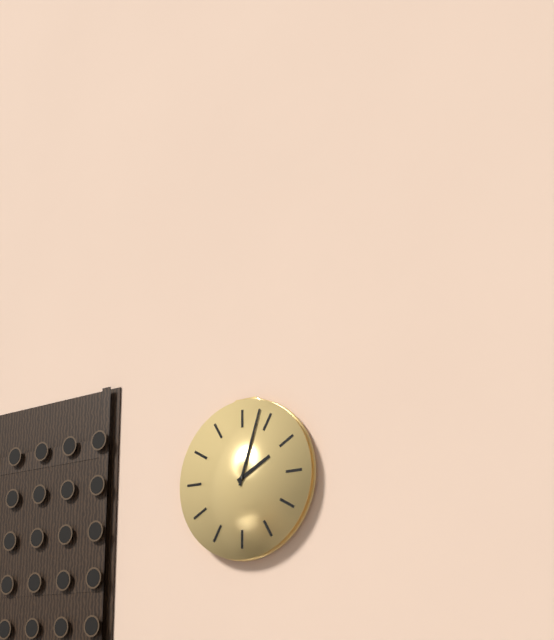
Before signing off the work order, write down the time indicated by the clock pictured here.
2:03
